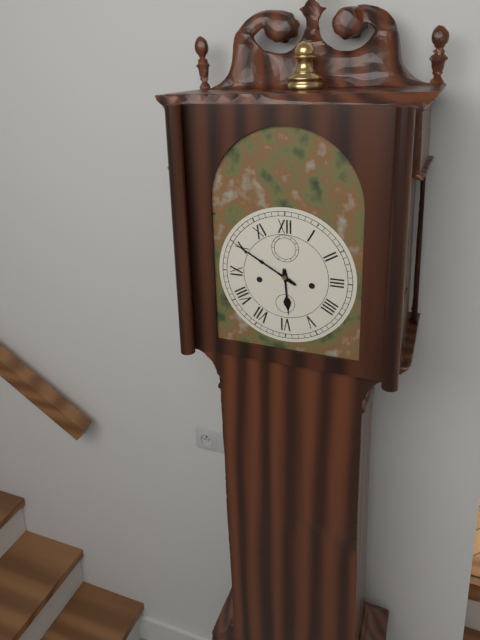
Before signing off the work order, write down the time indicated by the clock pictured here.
5:50
